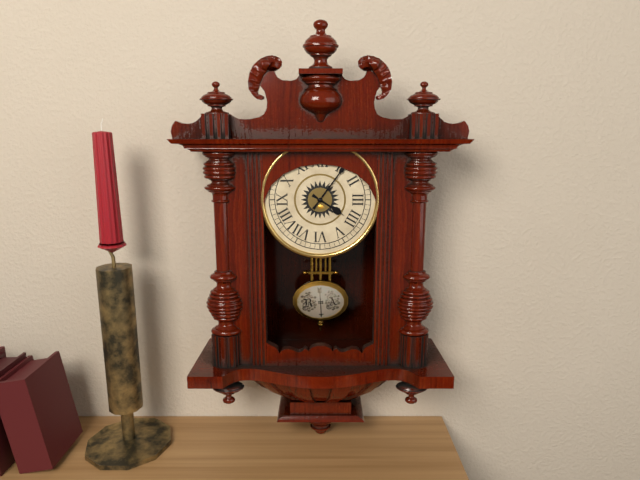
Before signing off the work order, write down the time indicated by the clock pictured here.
4:06
